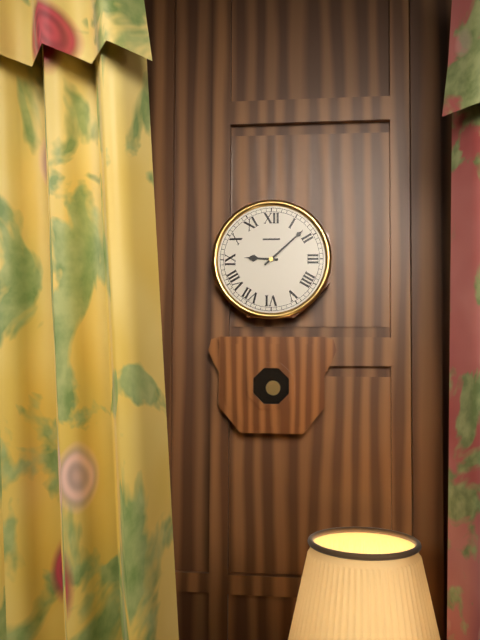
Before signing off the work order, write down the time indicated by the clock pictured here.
9:08
